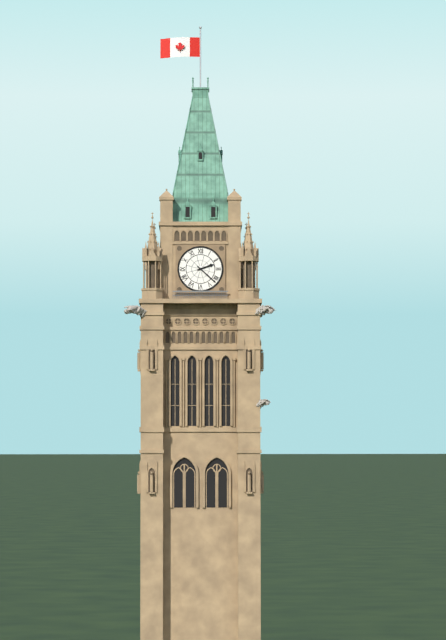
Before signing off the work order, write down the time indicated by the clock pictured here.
2:22
